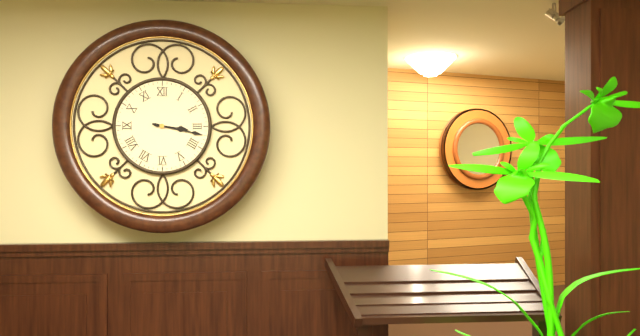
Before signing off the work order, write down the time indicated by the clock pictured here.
3:17
